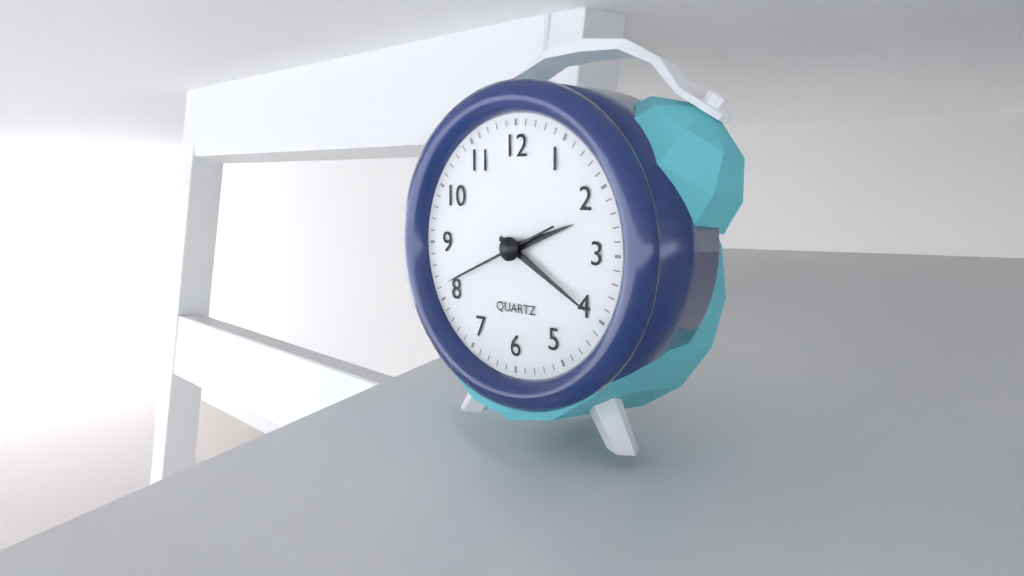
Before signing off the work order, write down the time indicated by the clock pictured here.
2:20:41
